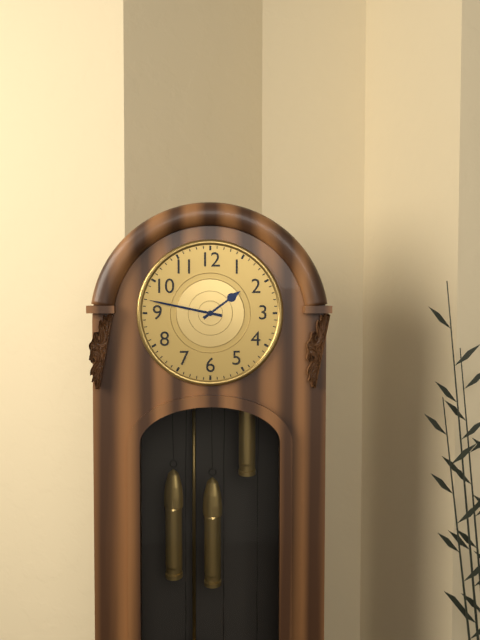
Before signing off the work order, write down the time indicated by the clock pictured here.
1:47
